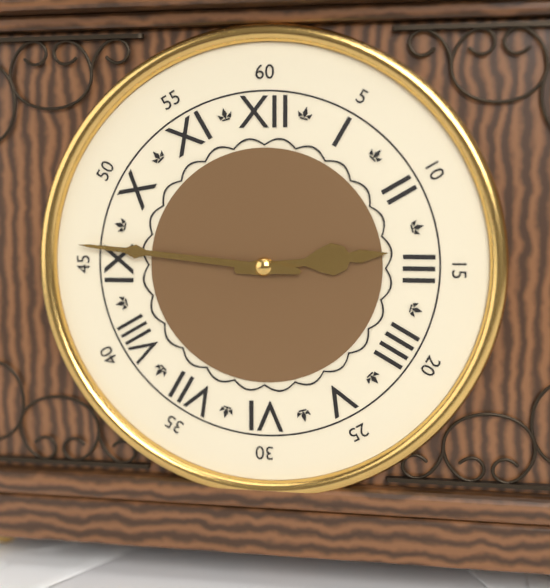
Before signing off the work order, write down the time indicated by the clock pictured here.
2:46
